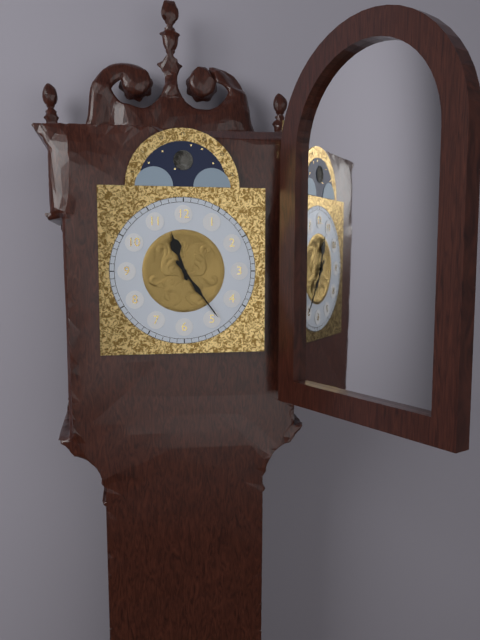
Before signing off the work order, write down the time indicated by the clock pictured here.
11:24
